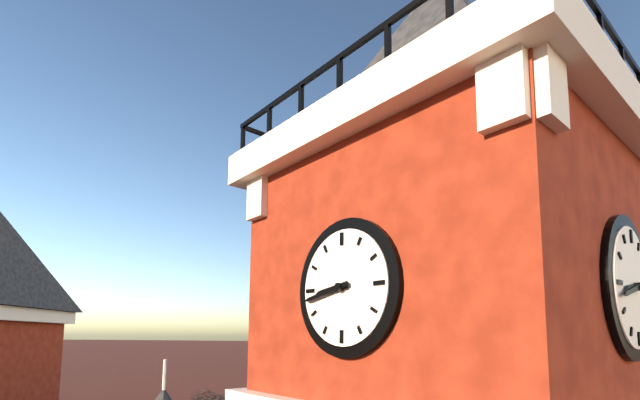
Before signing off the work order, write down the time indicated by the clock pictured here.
8:43
